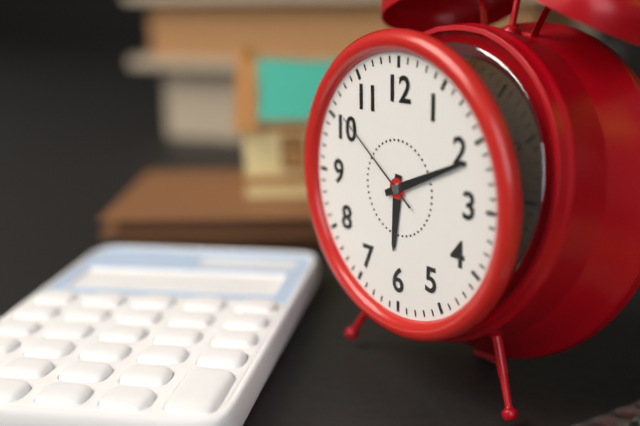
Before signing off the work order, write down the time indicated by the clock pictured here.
6:11:51
